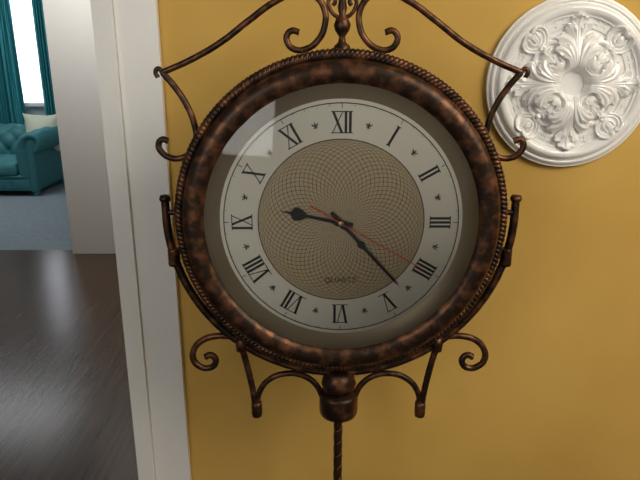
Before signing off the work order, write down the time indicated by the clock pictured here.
9:23:20
